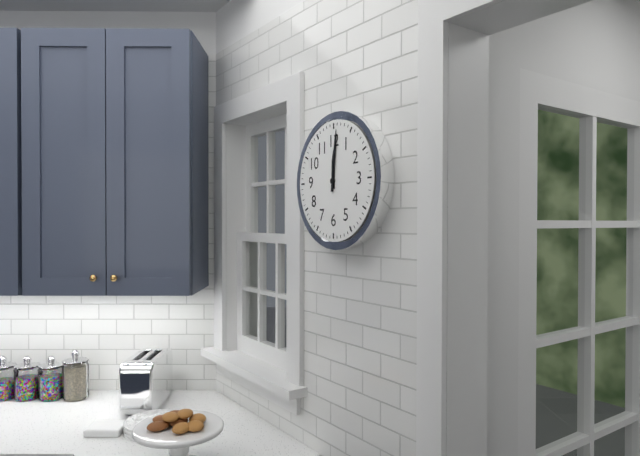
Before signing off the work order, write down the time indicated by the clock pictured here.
12:01
